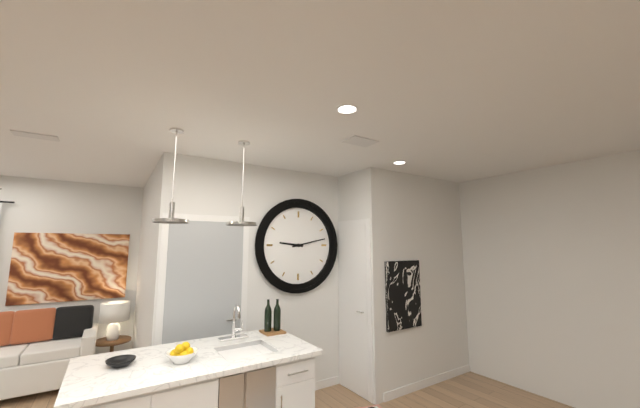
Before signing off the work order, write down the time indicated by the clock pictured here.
9:13
